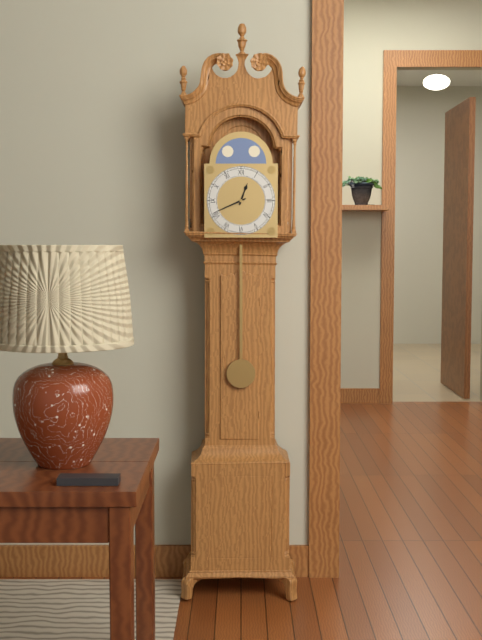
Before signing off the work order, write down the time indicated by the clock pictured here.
12:41
